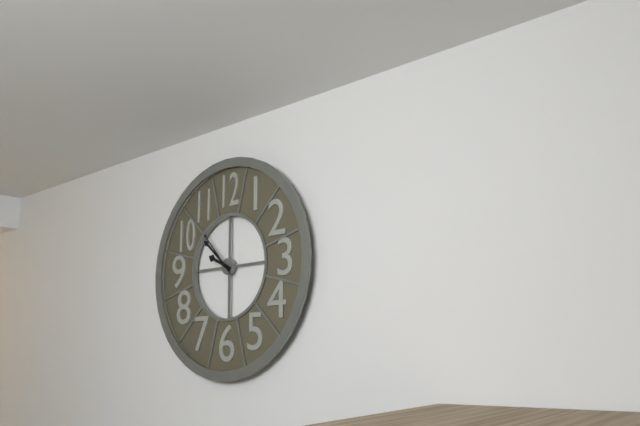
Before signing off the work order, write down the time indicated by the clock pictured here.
9:52:53
